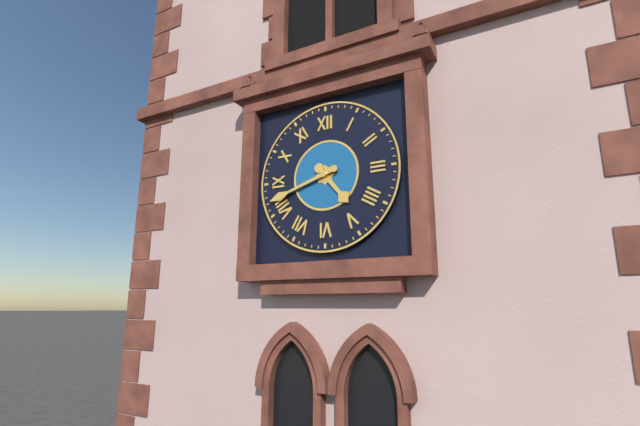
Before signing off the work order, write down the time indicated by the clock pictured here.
4:42
